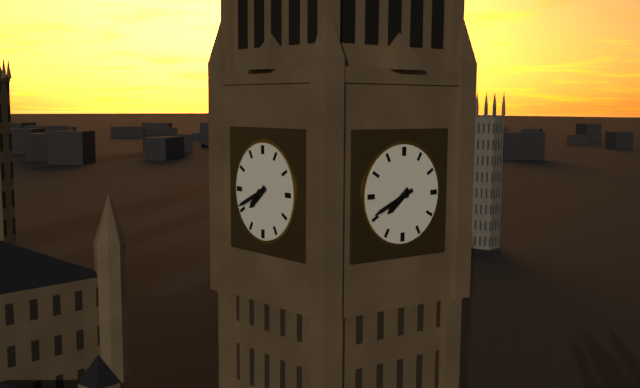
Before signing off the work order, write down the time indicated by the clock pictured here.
7:41
